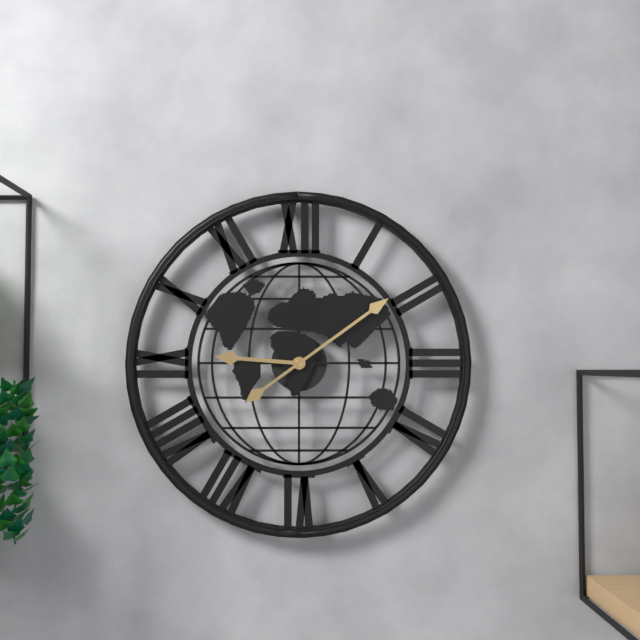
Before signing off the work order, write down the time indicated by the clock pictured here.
9:09
